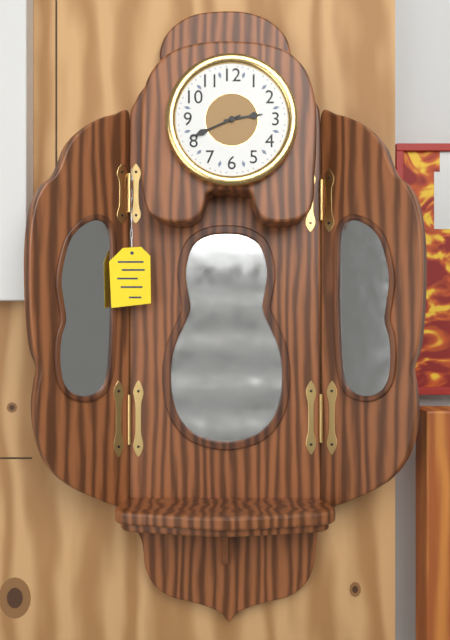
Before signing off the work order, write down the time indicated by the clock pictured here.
2:41
